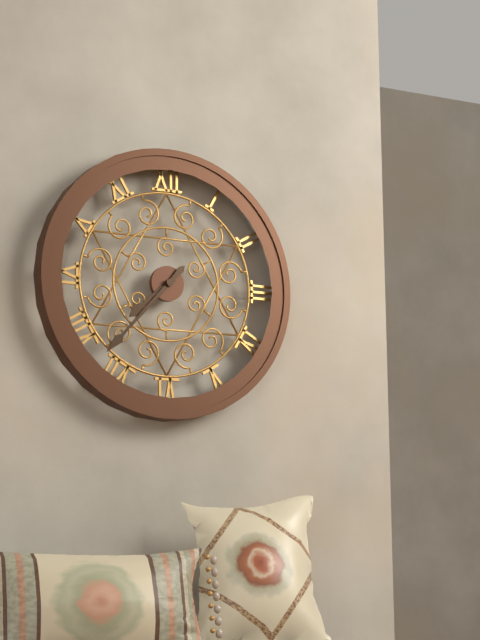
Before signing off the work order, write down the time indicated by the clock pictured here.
7:37
